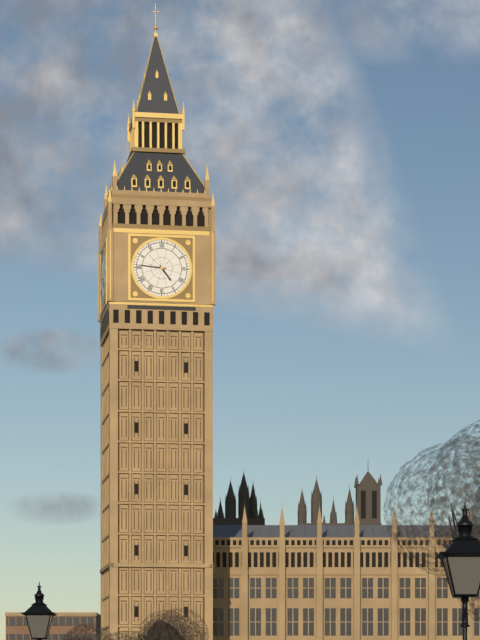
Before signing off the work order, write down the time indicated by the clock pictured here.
4:46
